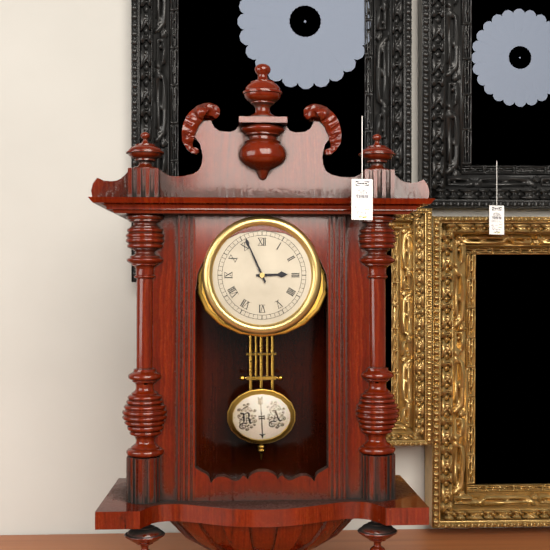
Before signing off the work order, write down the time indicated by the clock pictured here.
2:56
